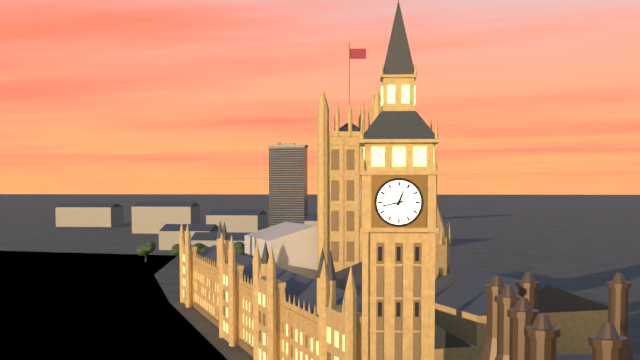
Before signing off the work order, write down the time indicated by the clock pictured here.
12:43
